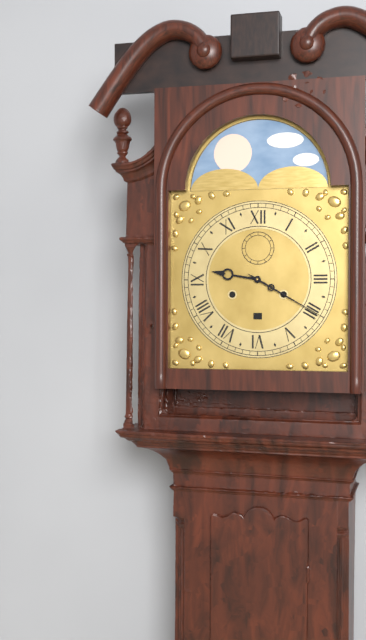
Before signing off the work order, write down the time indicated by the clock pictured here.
9:20
